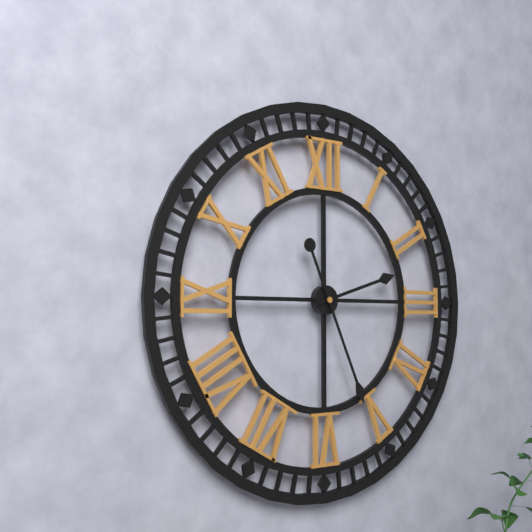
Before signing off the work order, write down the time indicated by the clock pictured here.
2:26
